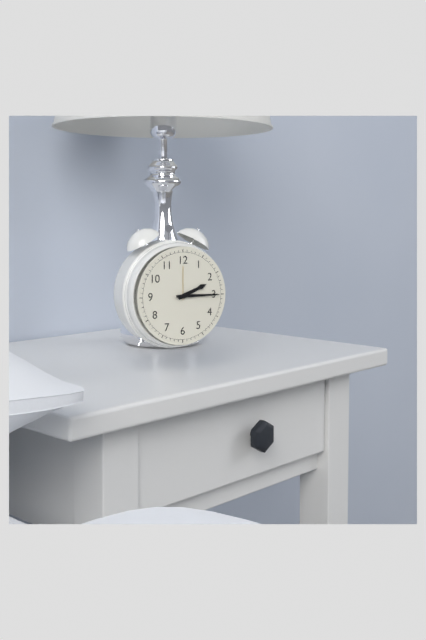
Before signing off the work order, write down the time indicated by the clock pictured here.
2:15
